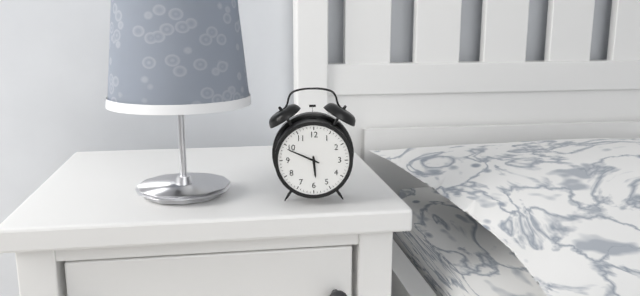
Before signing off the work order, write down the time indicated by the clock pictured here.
5:49
